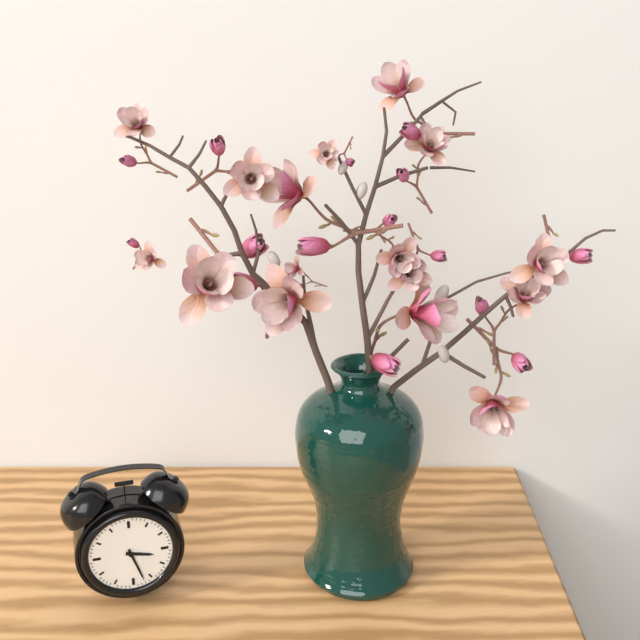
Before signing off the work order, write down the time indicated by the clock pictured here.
3:27
